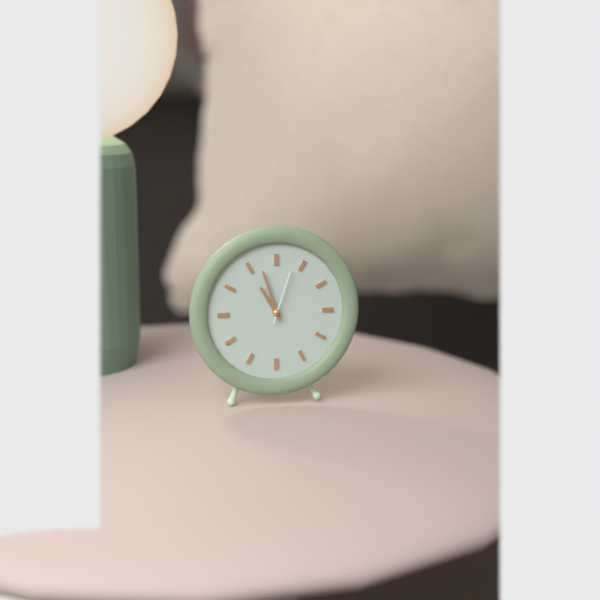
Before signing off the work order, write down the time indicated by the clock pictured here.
10:57:03
